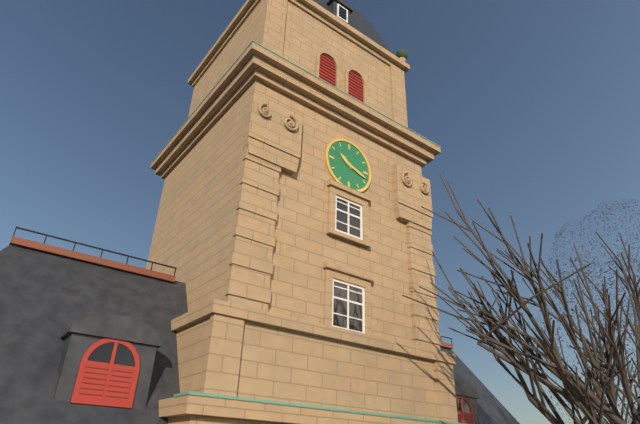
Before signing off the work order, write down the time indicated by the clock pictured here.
10:18
